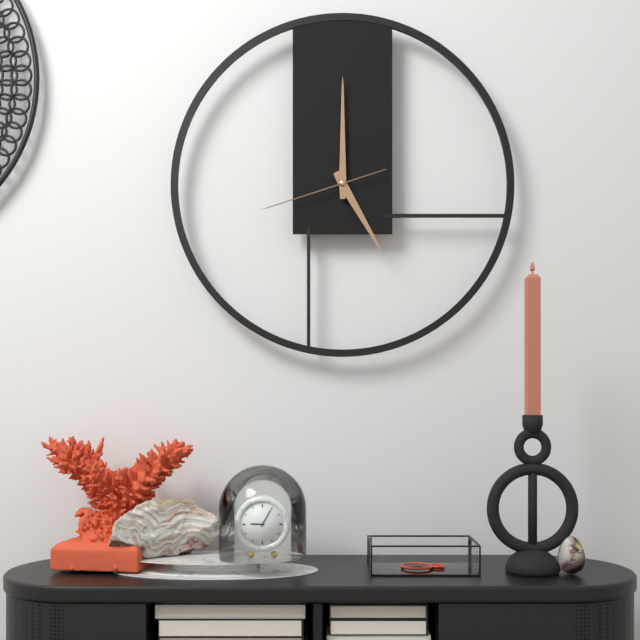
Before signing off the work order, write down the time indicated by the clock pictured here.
5:00:42
